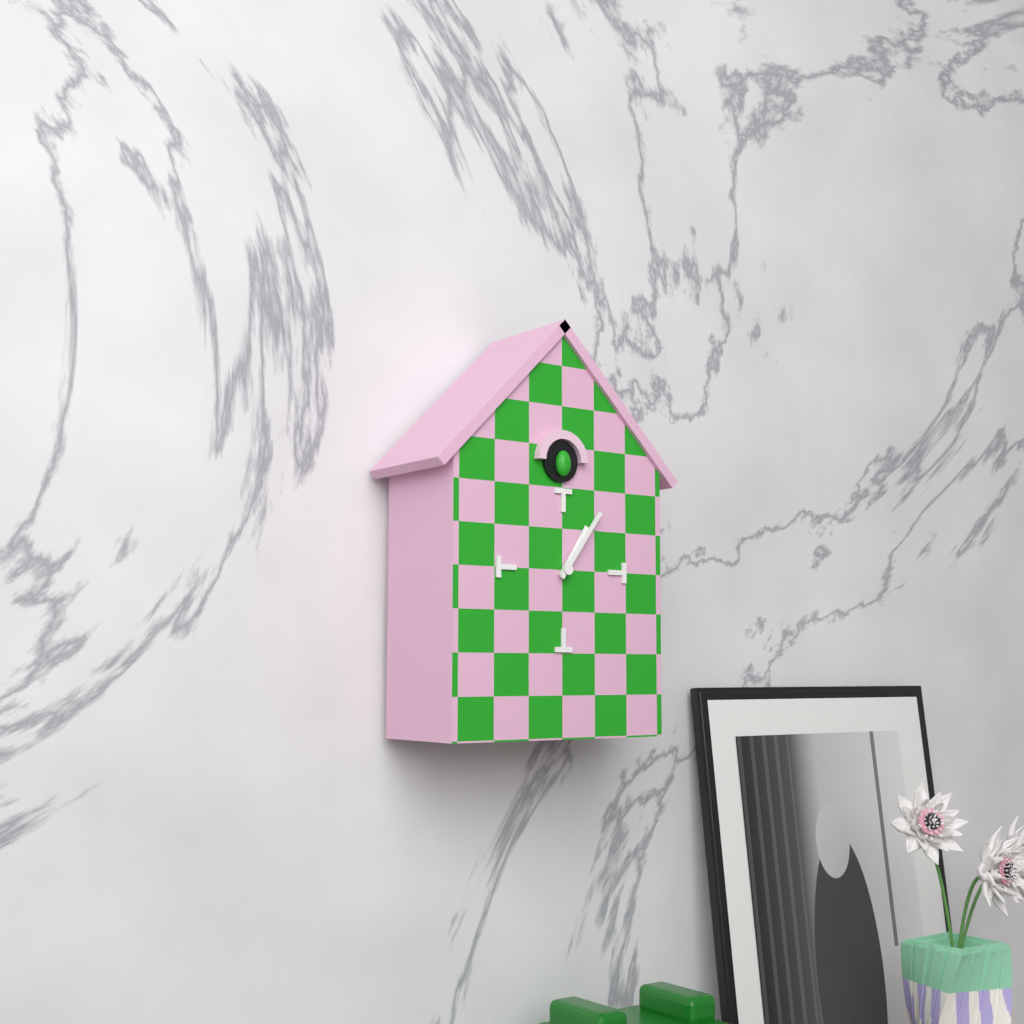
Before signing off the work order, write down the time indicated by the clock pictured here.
1:06
